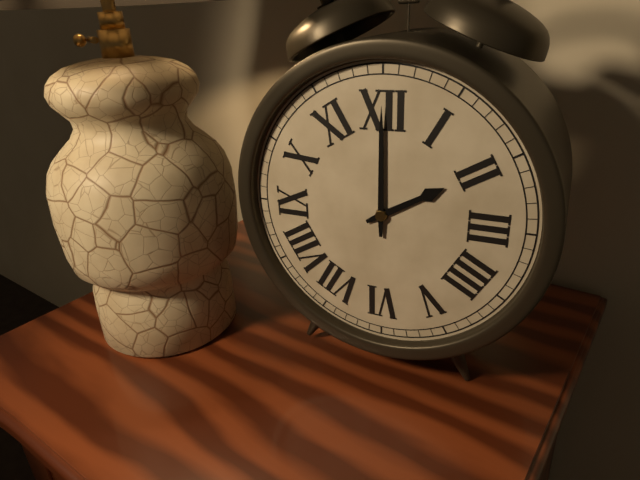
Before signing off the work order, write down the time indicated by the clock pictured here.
2:00
